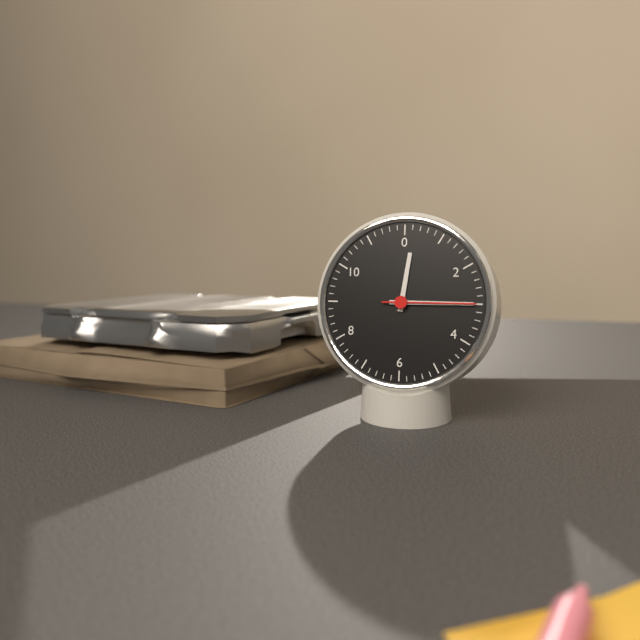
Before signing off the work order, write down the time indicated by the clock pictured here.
12:15:15
